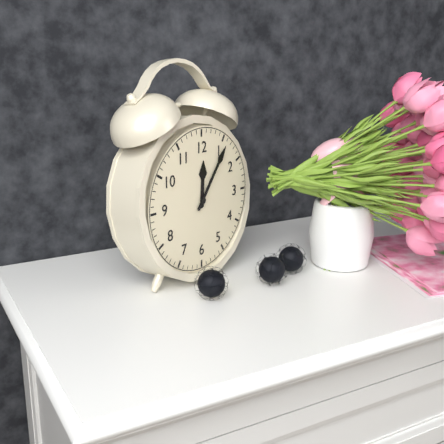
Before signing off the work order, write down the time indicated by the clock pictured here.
12:06
